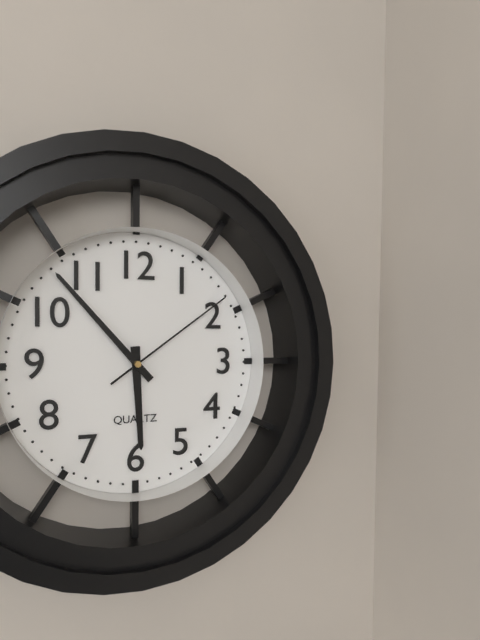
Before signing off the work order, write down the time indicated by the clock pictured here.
5:53:09
